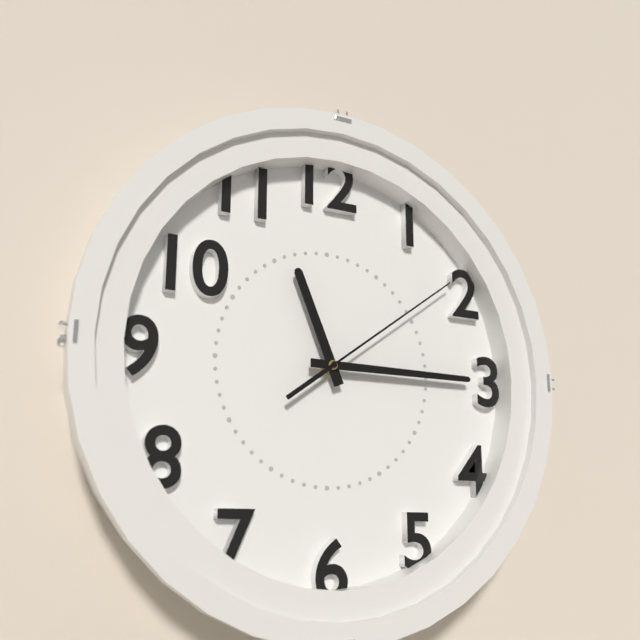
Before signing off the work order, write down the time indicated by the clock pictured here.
11:15:09
